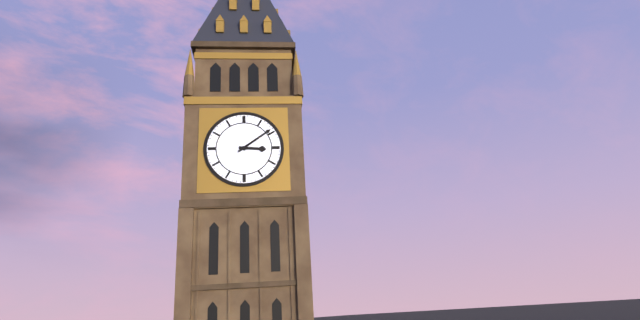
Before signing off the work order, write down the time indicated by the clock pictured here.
3:09
